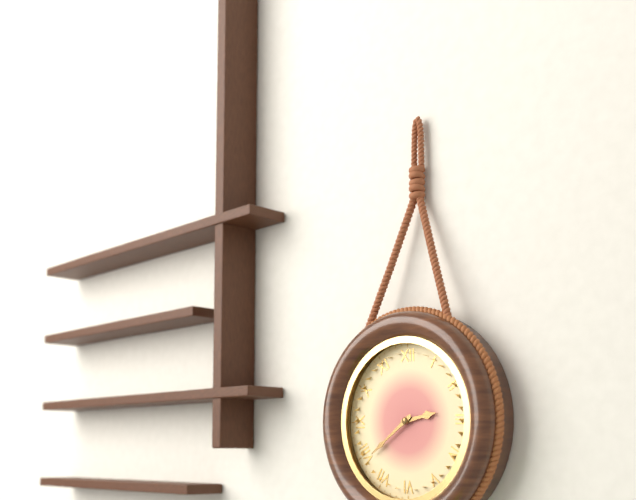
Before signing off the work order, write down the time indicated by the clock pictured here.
2:39
